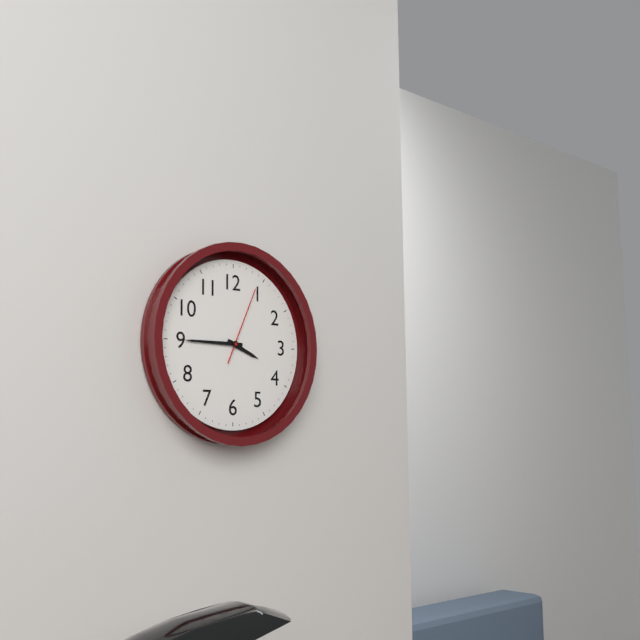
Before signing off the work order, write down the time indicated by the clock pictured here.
3:45:04
